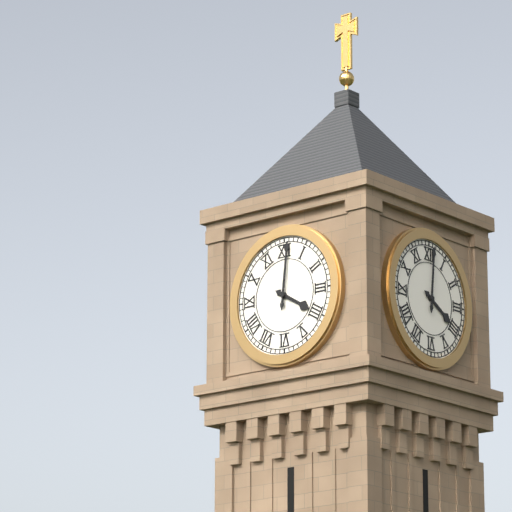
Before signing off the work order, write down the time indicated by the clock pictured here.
4:01
